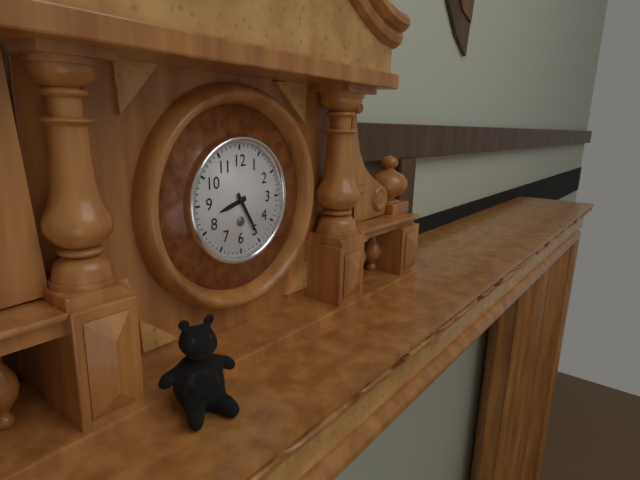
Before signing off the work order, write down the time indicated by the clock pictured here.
8:25
